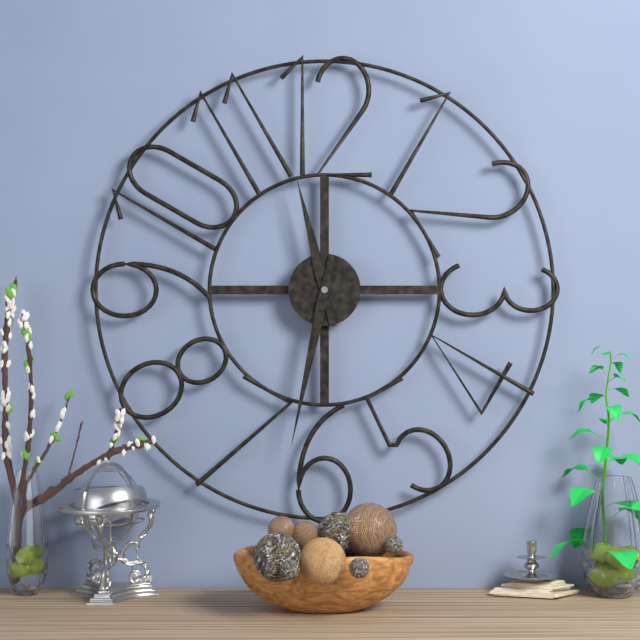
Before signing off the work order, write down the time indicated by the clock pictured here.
11:32
